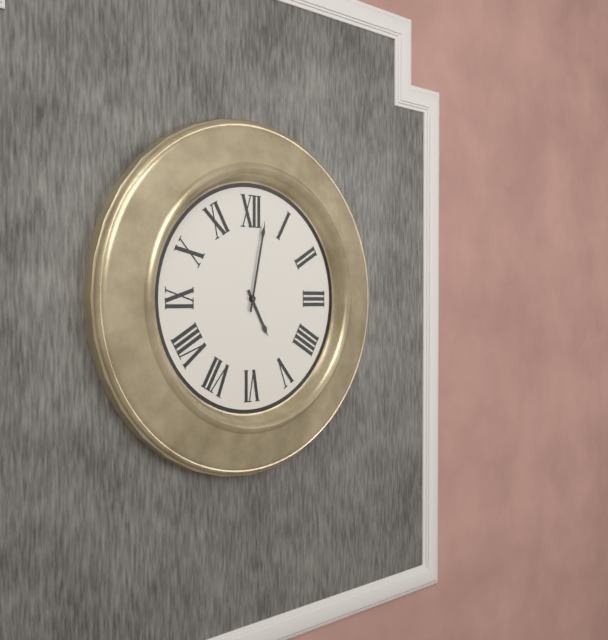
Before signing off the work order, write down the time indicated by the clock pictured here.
5:02
